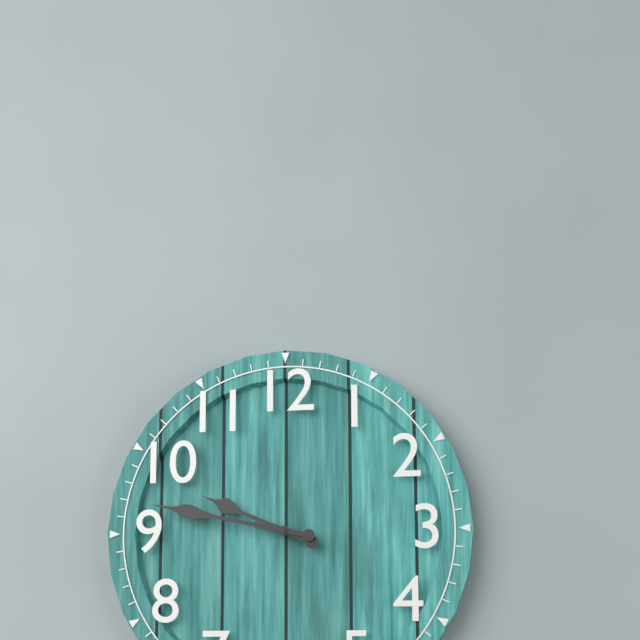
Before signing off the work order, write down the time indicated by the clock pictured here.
9:47
